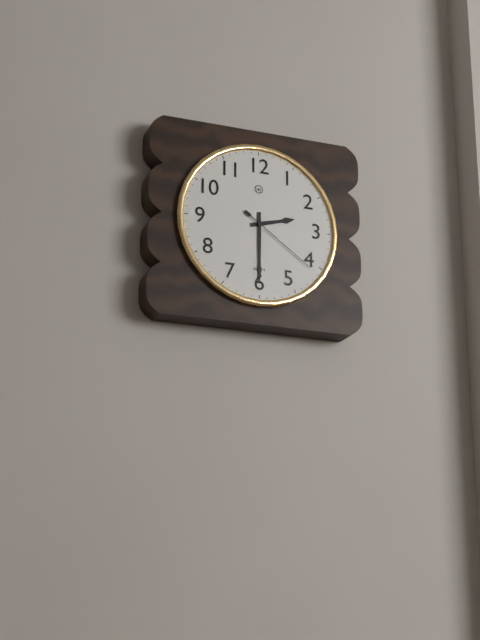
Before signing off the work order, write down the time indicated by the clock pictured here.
2:30:21
